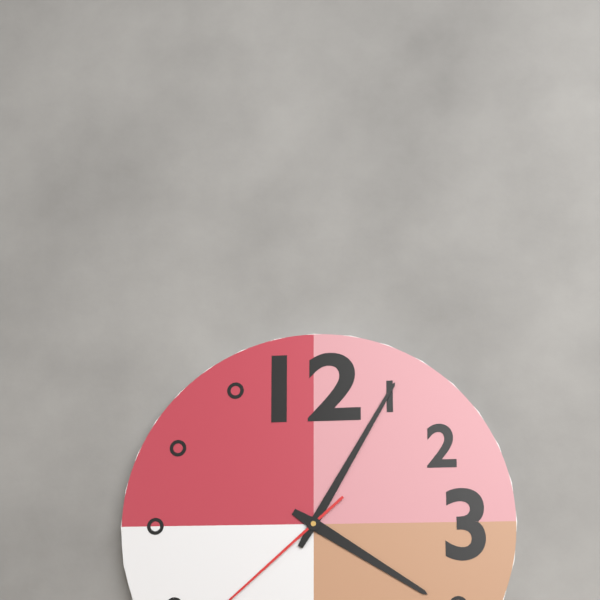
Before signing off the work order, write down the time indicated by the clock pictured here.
4:05
